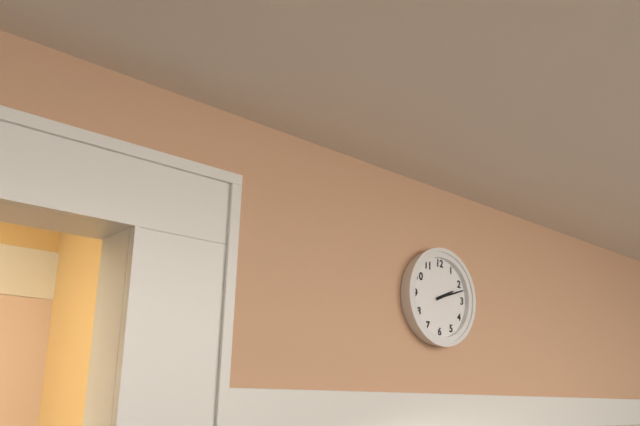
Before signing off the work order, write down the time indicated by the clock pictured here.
2:12
